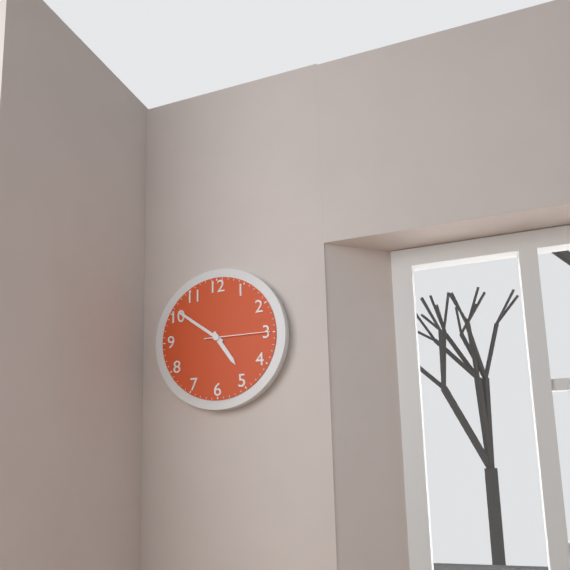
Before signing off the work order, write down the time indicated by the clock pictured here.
4:51:15
